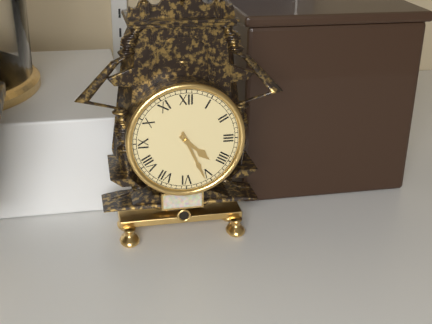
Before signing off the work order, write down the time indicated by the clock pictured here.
4:26
